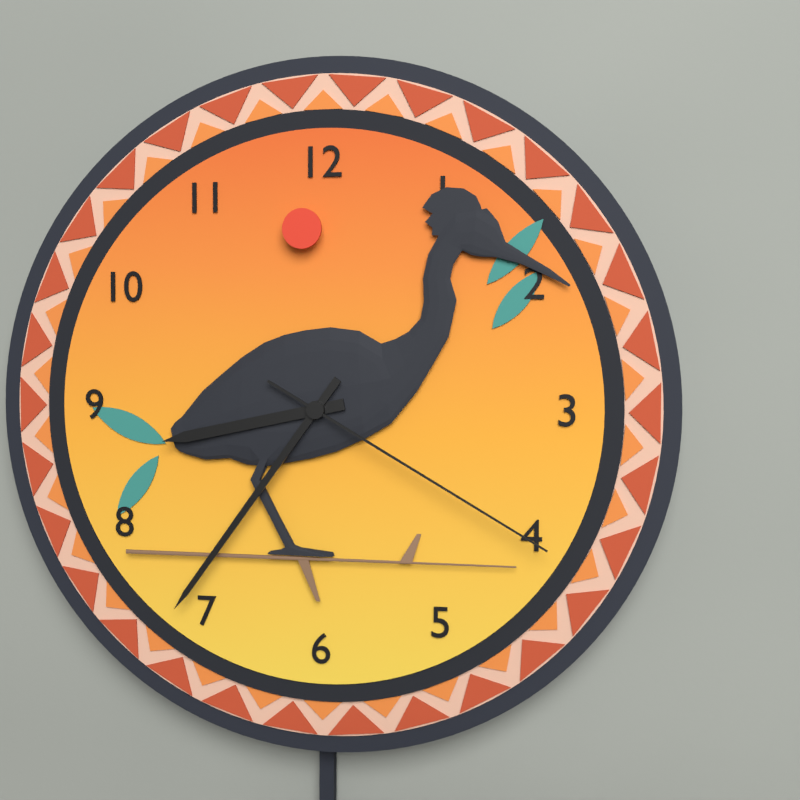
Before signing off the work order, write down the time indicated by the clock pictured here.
8:36:20
